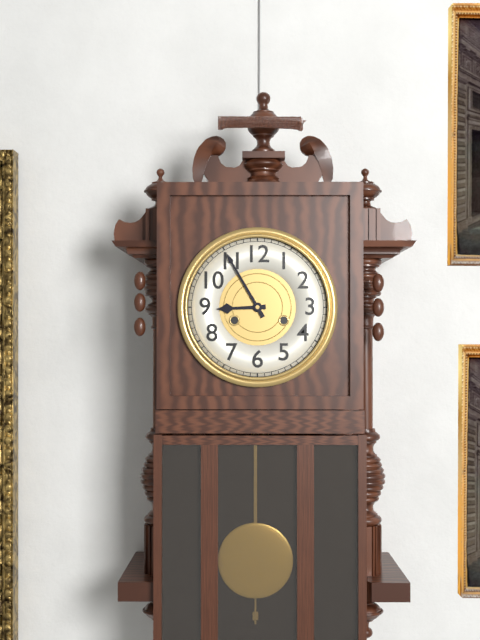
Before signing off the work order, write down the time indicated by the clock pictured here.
8:55
